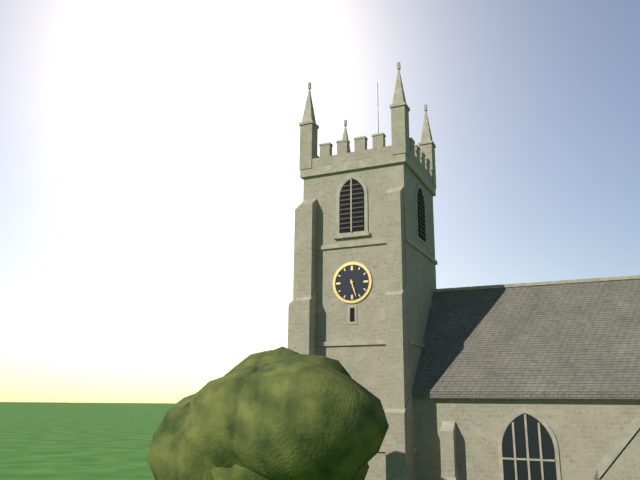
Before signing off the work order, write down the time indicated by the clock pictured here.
5:27
